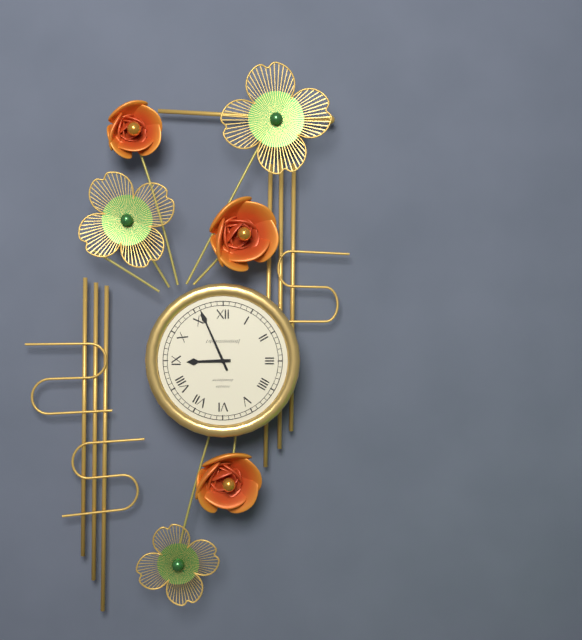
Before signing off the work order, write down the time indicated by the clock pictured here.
8:56
